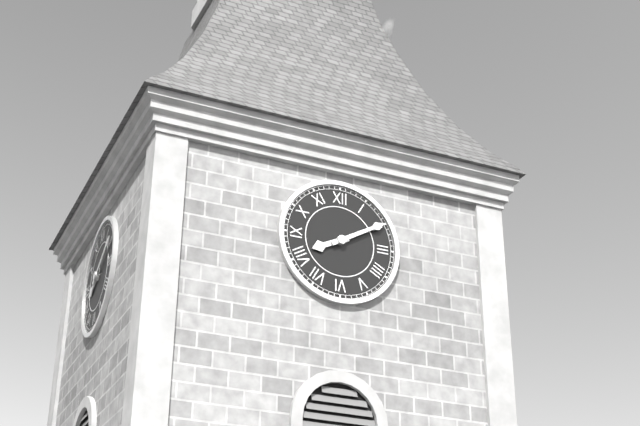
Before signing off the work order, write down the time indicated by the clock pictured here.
8:10
